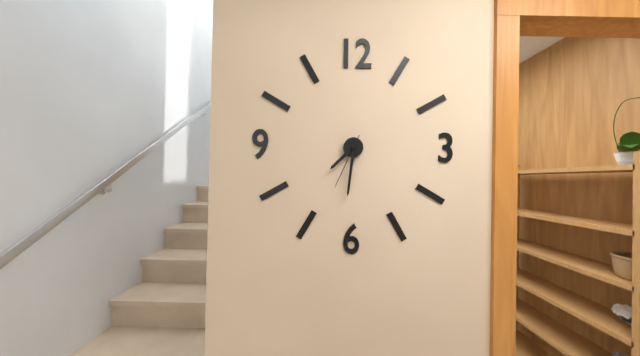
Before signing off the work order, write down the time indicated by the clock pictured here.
7:31:34
